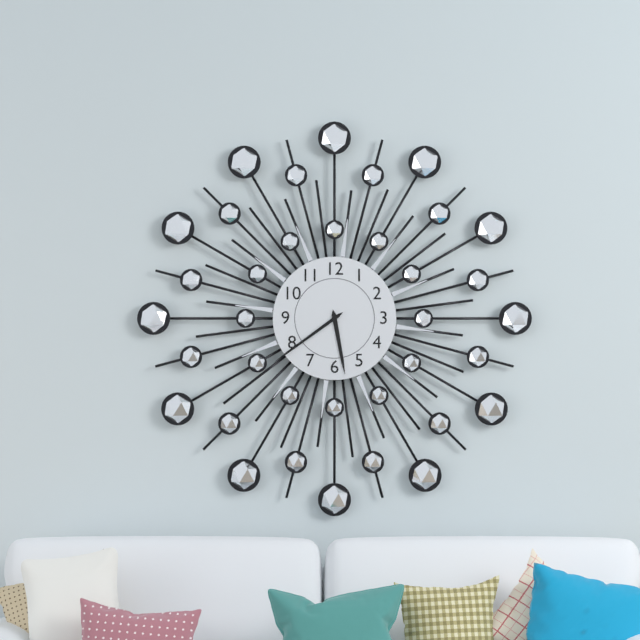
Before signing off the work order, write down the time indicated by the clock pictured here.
5:39
